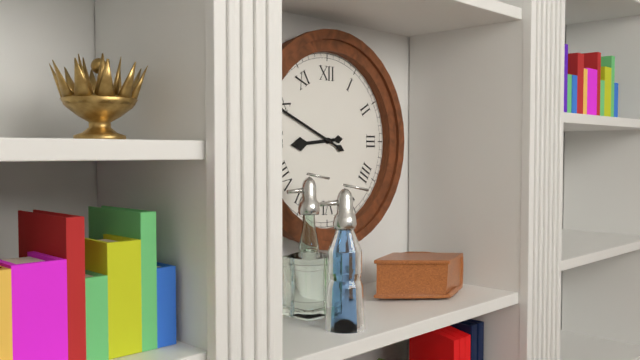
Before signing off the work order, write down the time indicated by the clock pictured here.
8:49
